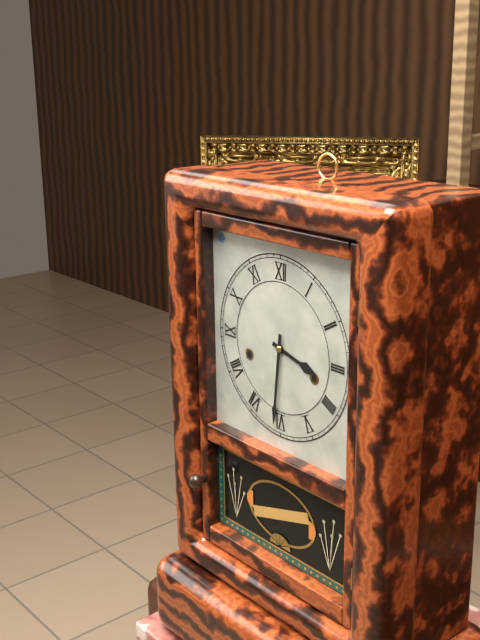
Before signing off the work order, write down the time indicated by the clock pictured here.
3:31
